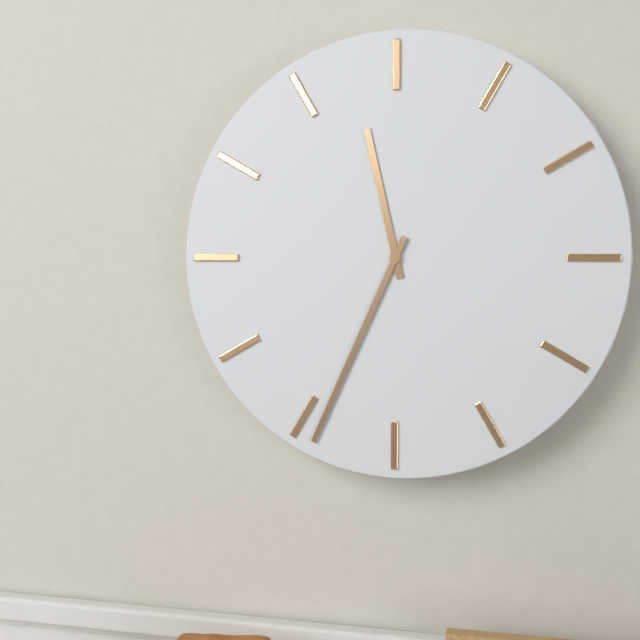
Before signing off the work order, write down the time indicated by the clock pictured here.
11:34
